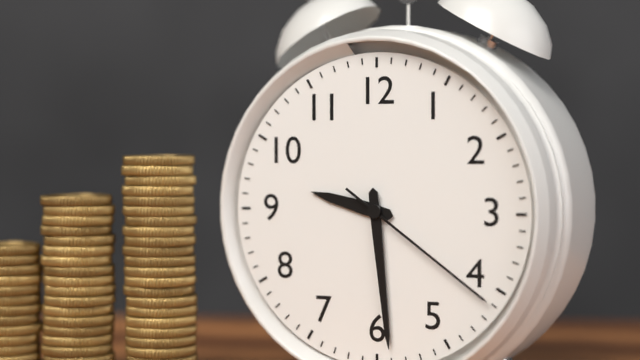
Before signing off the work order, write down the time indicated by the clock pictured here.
9:29:21
